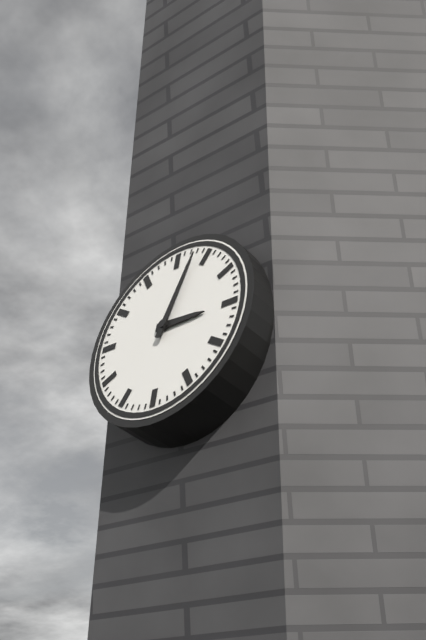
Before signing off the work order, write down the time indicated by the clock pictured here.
3:03
